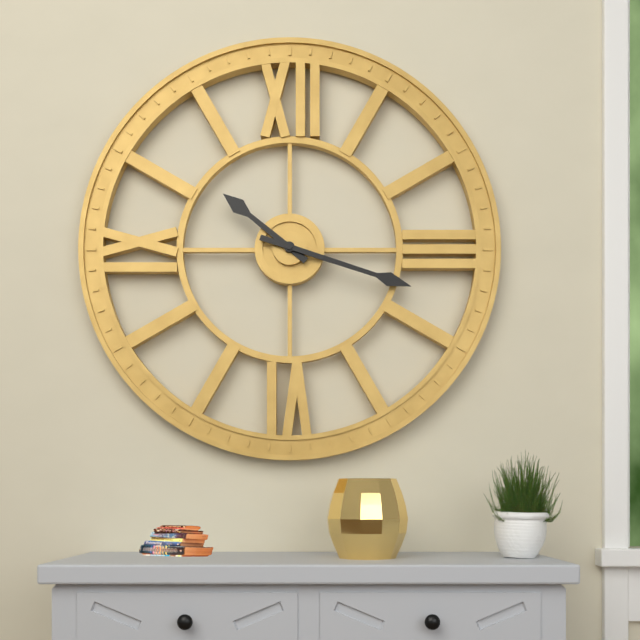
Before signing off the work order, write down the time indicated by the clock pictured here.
10:18
